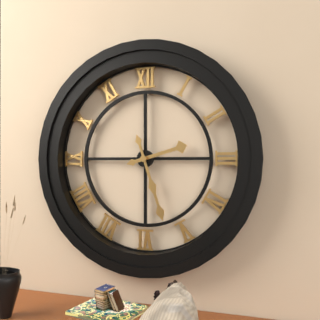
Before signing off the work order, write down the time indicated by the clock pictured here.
2:27
